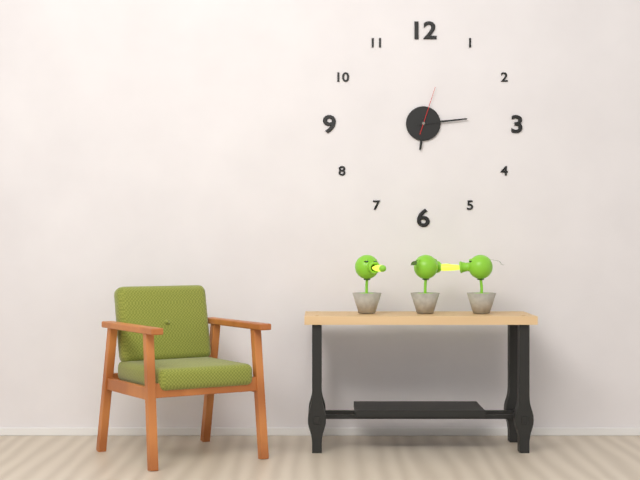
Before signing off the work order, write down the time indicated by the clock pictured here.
6:14
